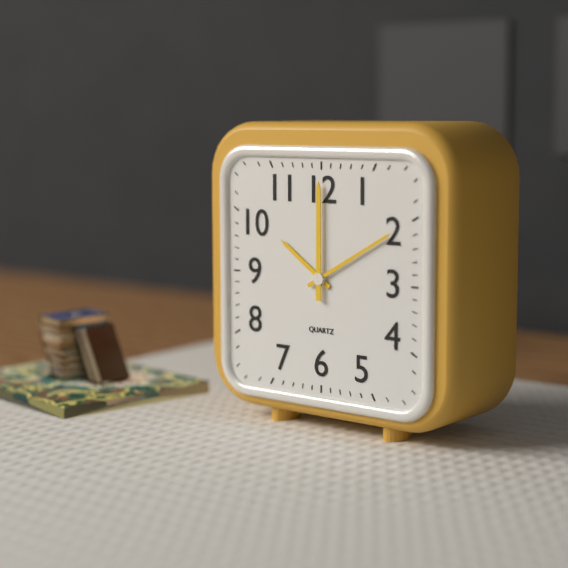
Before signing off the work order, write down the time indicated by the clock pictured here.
10:10:00
